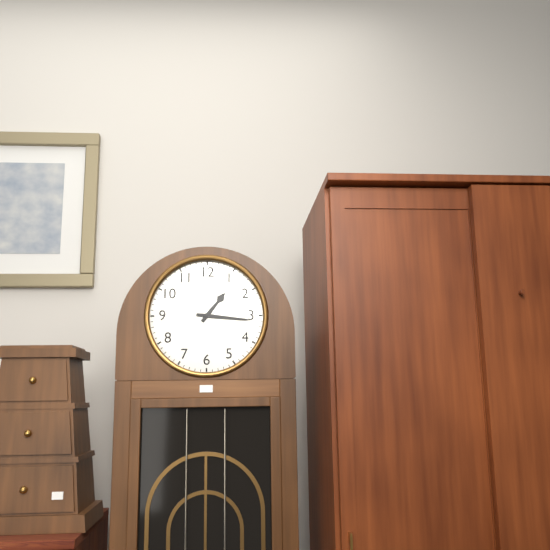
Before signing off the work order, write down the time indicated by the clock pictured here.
1:16
